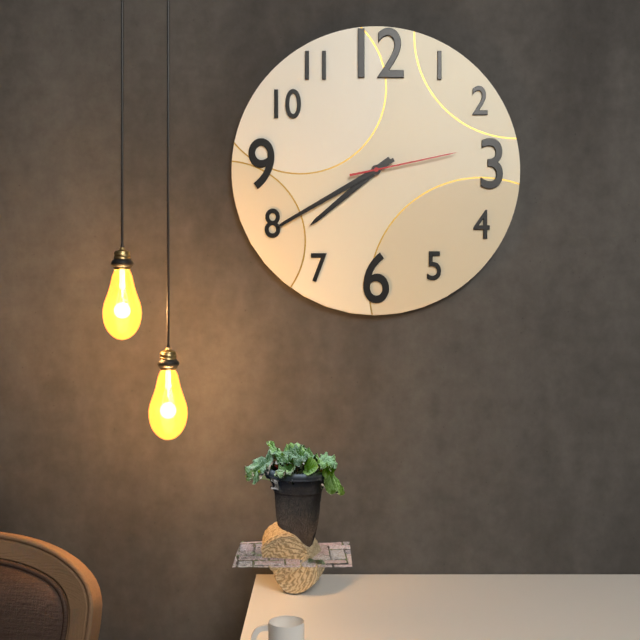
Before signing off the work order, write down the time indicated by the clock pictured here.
7:40:13
